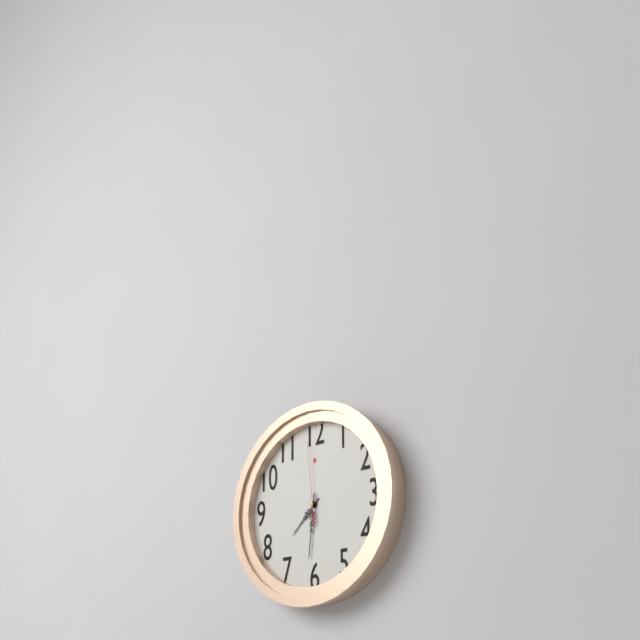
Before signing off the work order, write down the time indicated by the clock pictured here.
7:31:59
